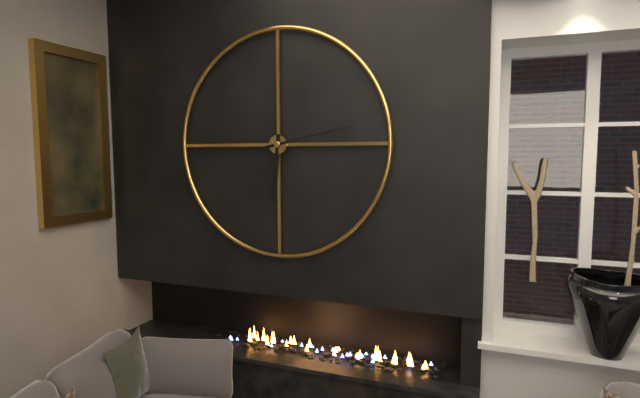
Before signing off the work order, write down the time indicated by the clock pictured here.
6:13
